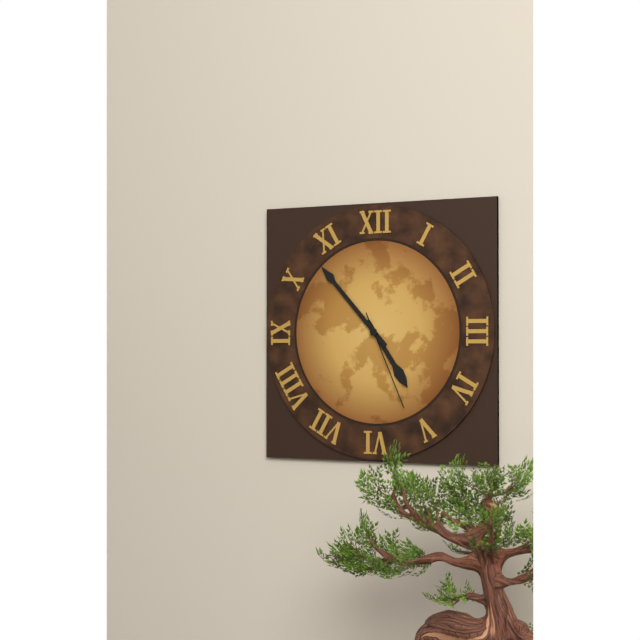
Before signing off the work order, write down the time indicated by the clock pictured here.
4:53:26
